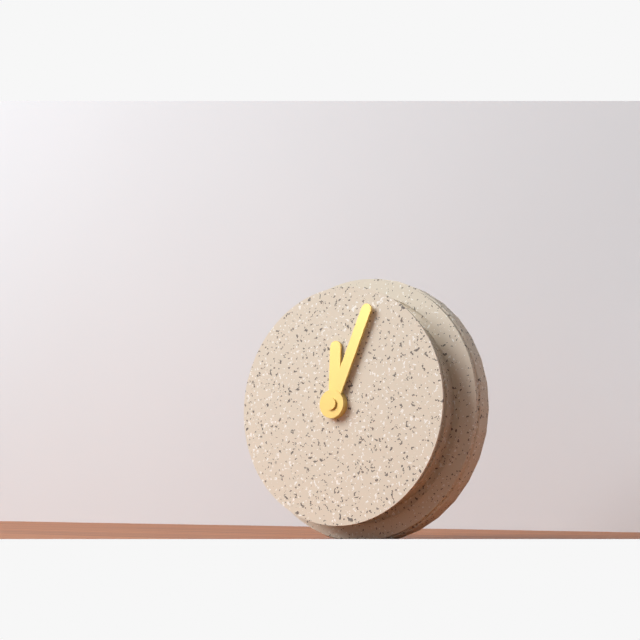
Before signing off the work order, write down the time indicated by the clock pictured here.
12:04
